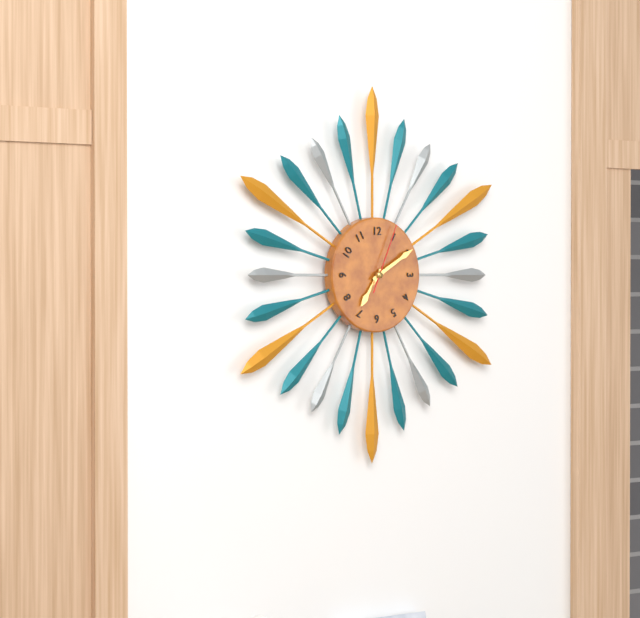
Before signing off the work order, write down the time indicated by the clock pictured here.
7:10:04
